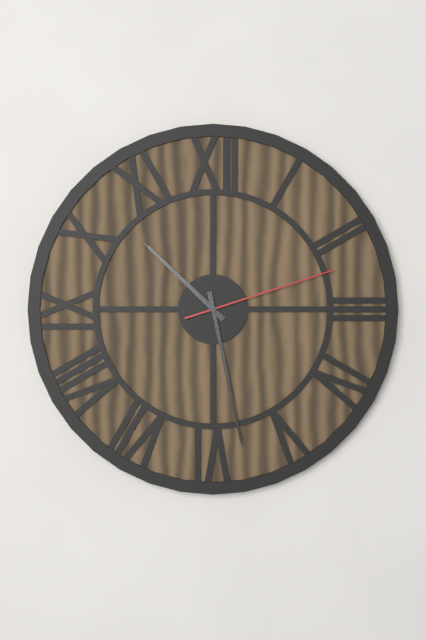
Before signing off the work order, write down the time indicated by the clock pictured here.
10:28:12
